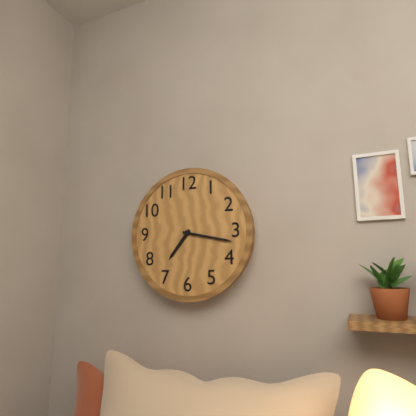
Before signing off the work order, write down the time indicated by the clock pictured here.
7:17
